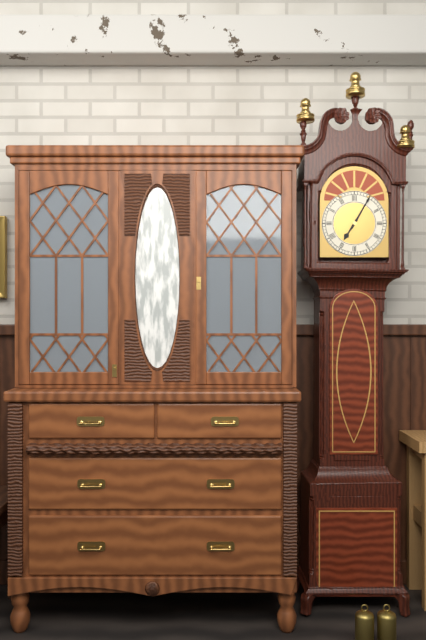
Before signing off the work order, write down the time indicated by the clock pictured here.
7:05
